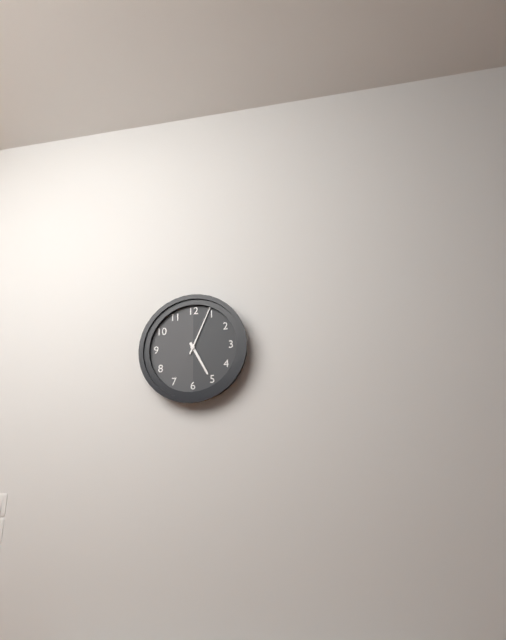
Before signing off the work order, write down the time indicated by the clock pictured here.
5:04
